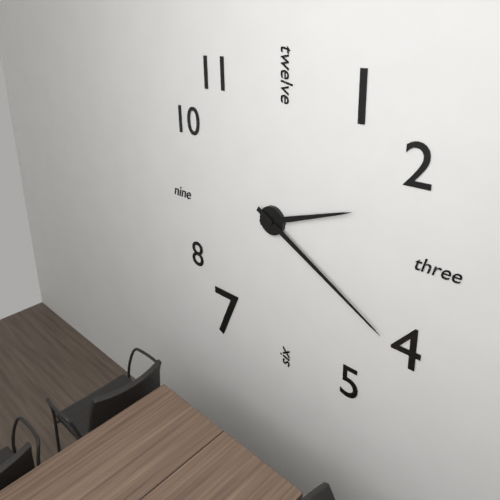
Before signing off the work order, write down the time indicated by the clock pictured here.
2:20
